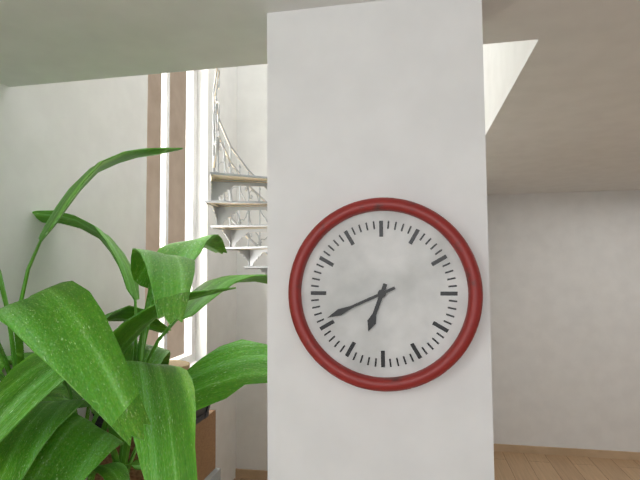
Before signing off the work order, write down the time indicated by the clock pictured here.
6:41
